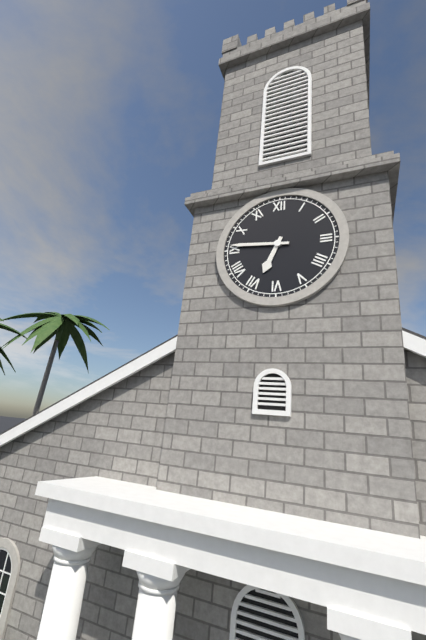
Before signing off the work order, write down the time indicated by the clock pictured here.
6:46
